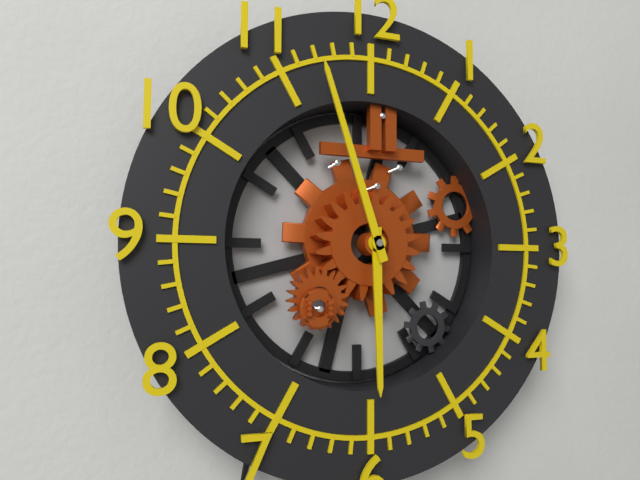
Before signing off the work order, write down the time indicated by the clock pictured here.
5:57
